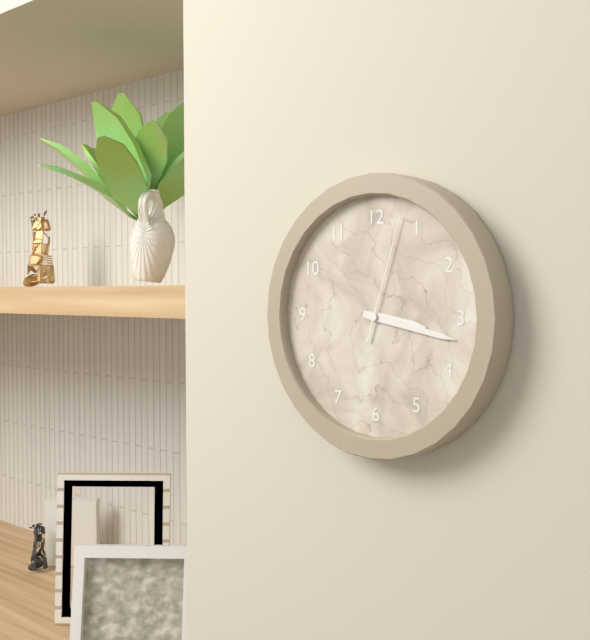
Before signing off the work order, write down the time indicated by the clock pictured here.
3:17:03
